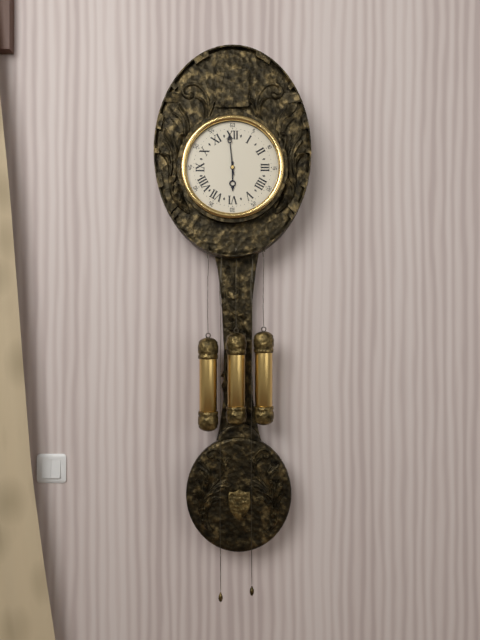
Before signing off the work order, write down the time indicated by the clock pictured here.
5:59
